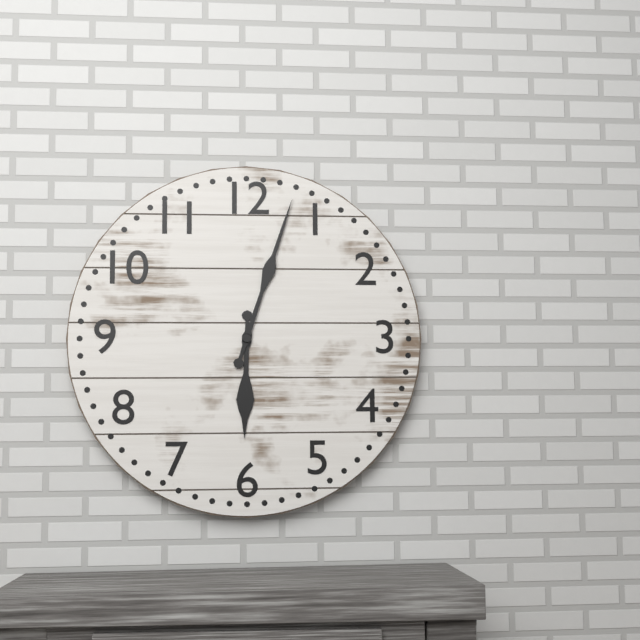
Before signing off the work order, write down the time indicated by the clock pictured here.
6:03
